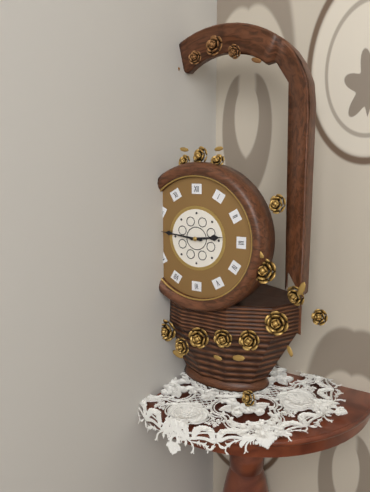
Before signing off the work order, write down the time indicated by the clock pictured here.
2:46
